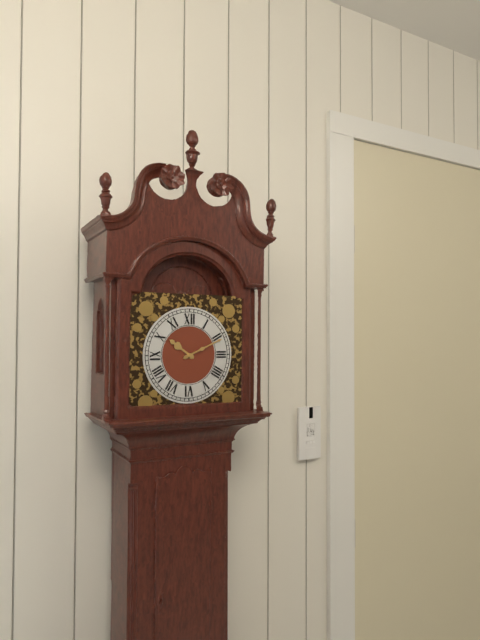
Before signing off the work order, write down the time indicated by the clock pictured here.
10:11
